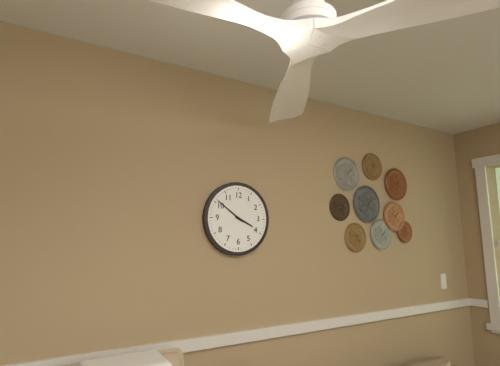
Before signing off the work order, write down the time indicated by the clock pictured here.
3:51
